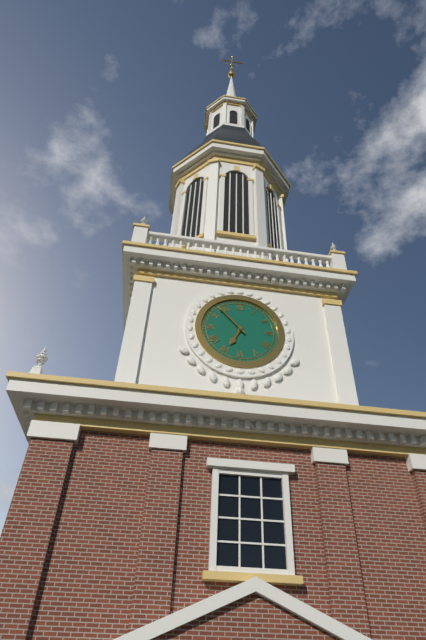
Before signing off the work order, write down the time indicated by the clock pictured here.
6:53
